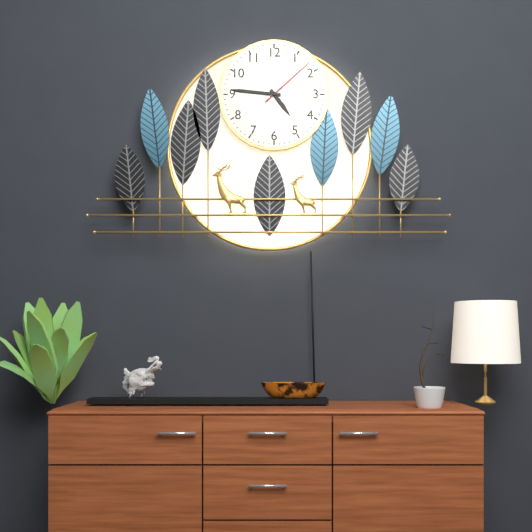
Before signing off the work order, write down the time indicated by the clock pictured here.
4:46:08
